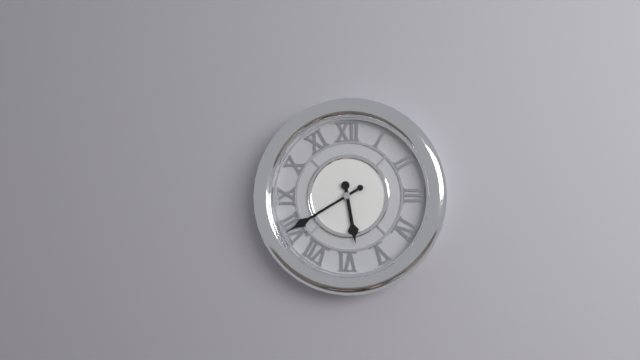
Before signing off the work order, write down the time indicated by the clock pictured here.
5:40
